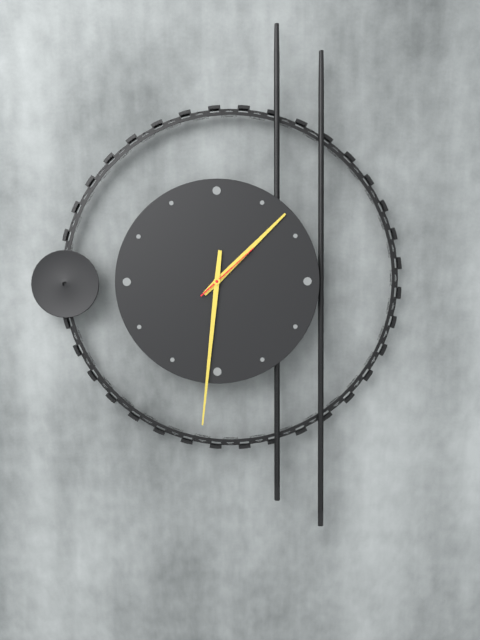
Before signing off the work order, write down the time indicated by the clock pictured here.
1:31:08
